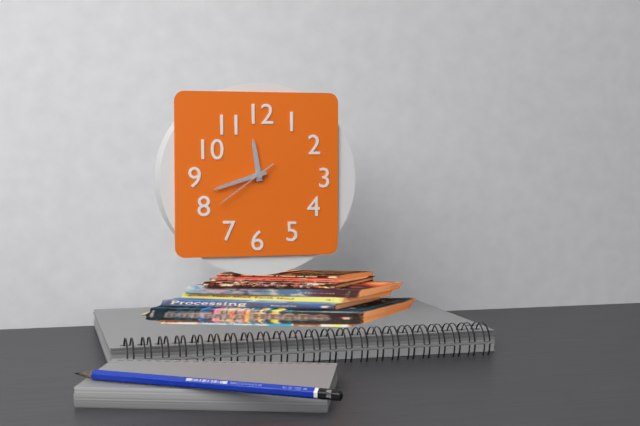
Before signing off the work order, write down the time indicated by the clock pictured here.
11:42:39
